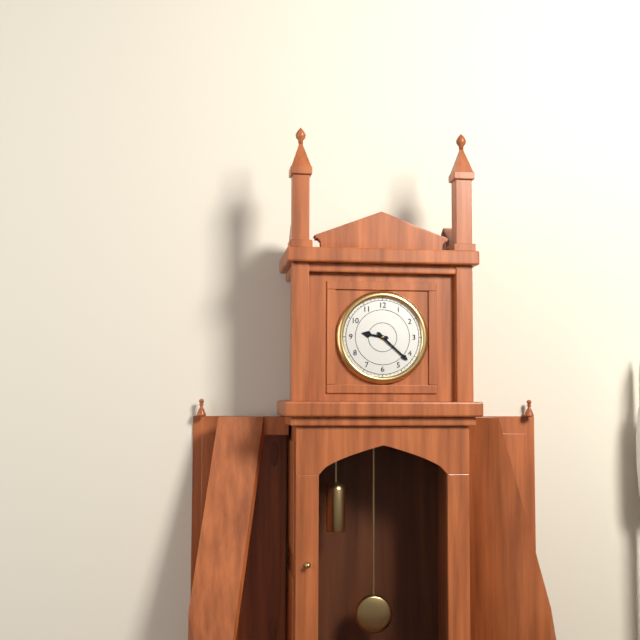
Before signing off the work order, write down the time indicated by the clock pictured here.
9:22
